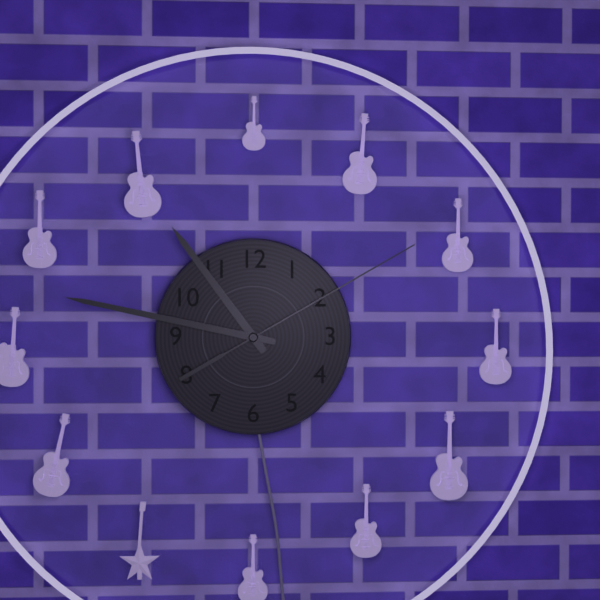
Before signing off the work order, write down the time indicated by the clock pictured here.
10:47:10
